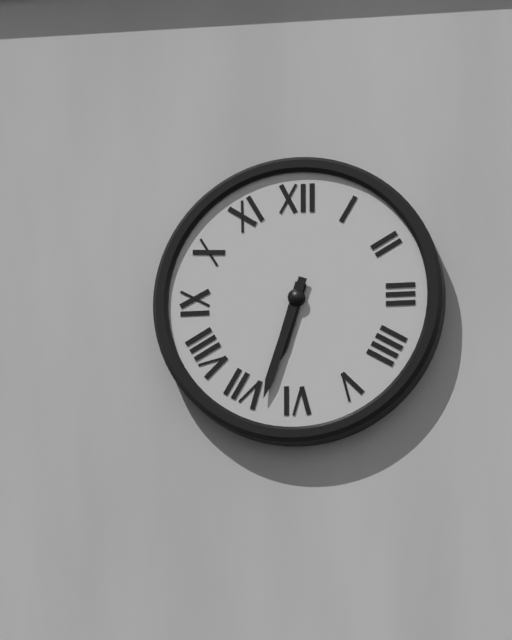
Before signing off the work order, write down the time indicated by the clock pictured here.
6:33
